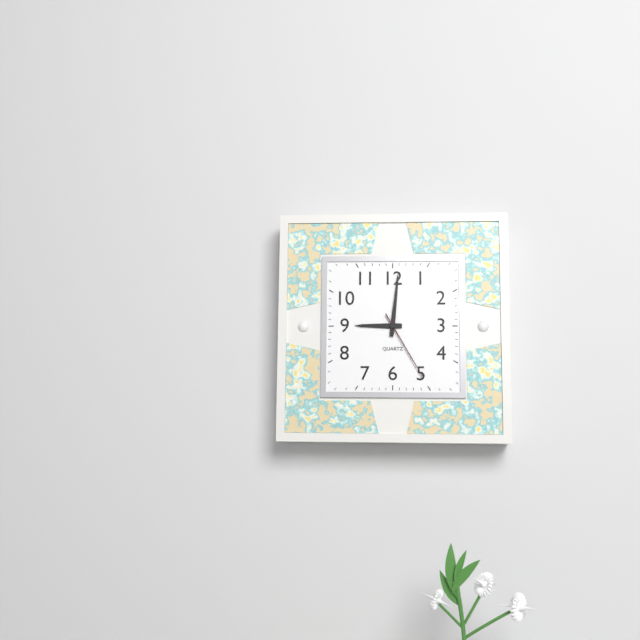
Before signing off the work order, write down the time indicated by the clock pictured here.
9:01:25
